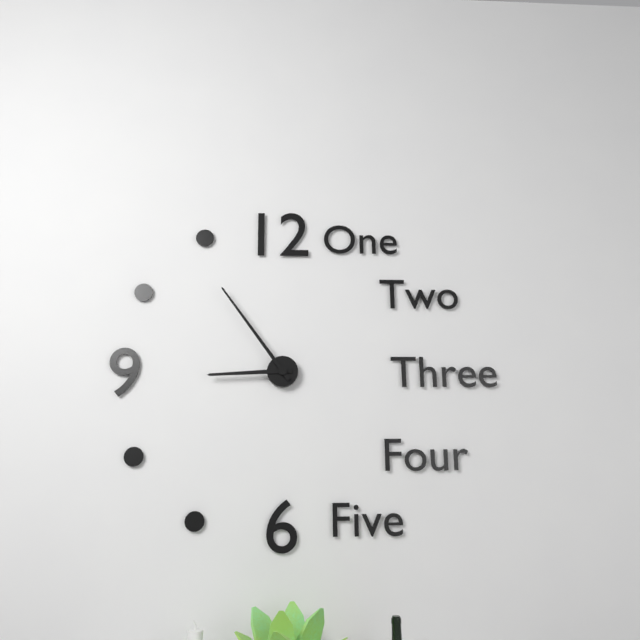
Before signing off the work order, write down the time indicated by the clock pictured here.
8:54
